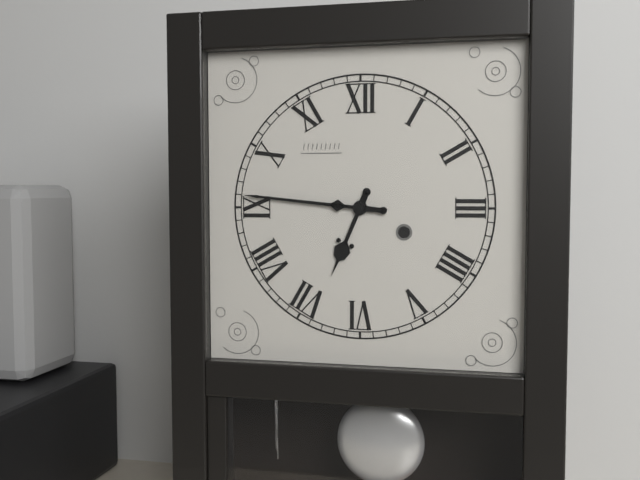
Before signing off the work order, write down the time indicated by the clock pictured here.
6:46
